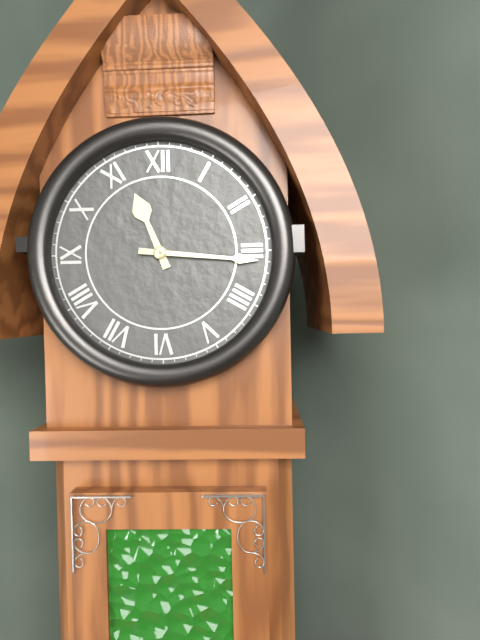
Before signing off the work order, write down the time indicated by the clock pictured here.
11:16
